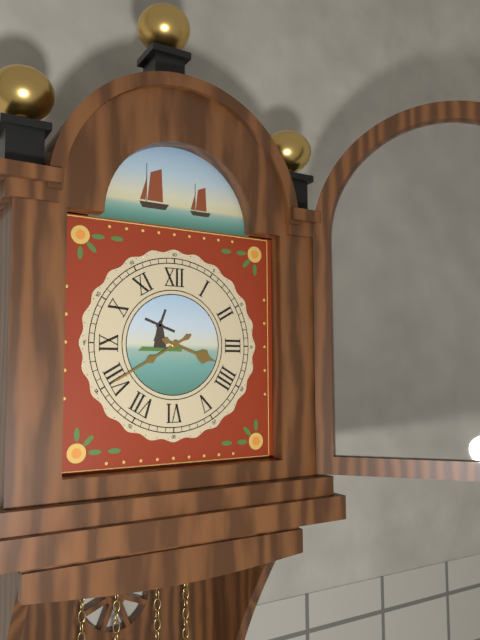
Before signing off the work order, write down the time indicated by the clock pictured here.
3:40
